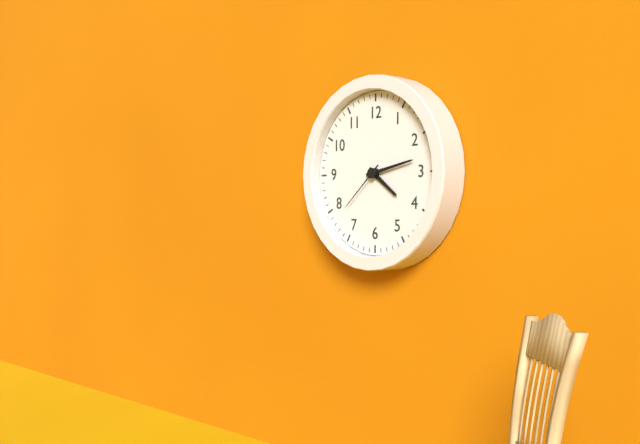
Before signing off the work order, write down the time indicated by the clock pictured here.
4:13:38
